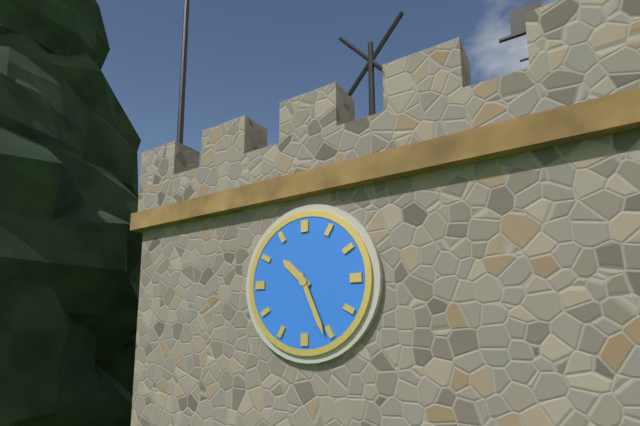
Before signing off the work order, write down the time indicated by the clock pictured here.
10:26
